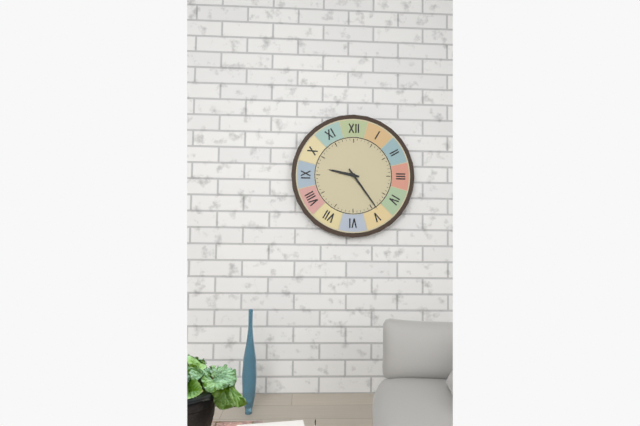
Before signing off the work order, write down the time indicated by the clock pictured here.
9:24
